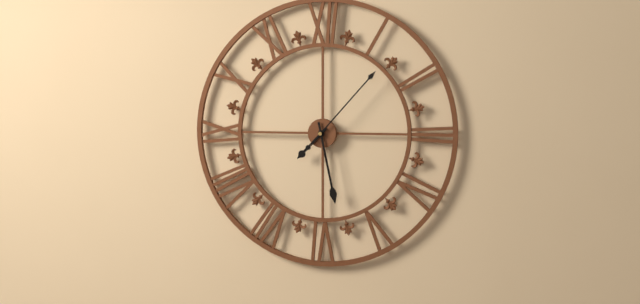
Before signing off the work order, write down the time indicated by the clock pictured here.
7:28:07
